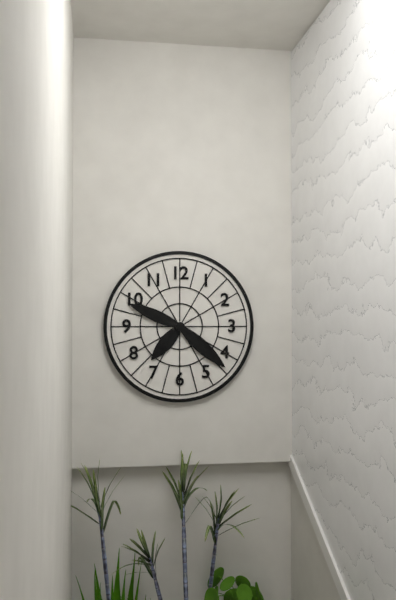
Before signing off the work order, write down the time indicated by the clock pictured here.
7:22:49
